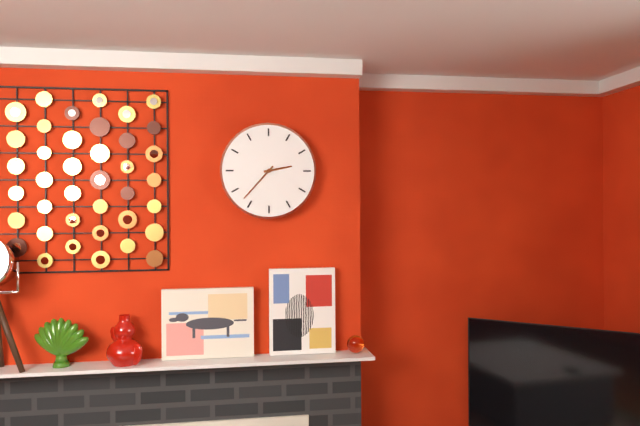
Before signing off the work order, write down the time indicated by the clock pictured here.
2:37
